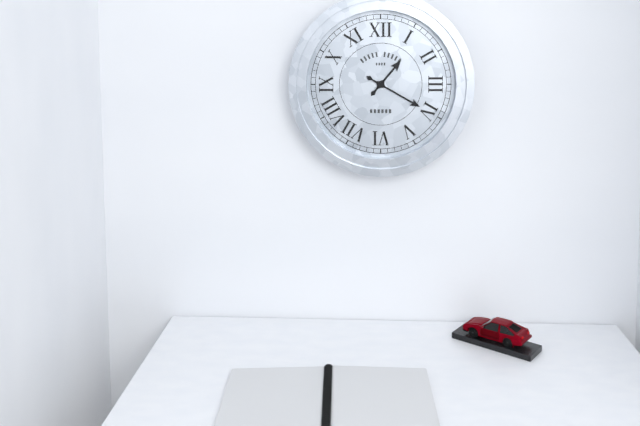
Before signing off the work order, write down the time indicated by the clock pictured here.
1:20
